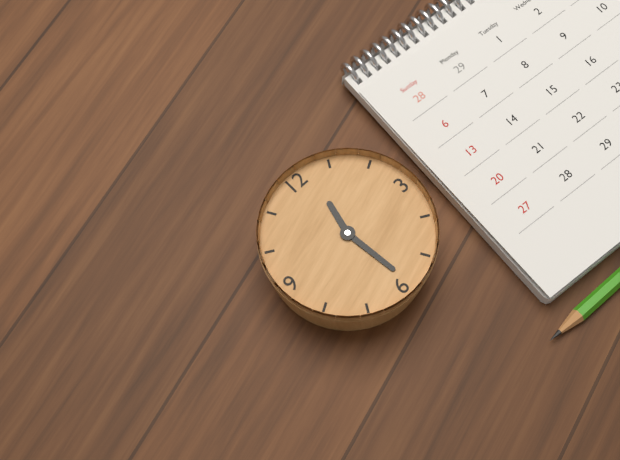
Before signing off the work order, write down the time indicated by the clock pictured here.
12:29
